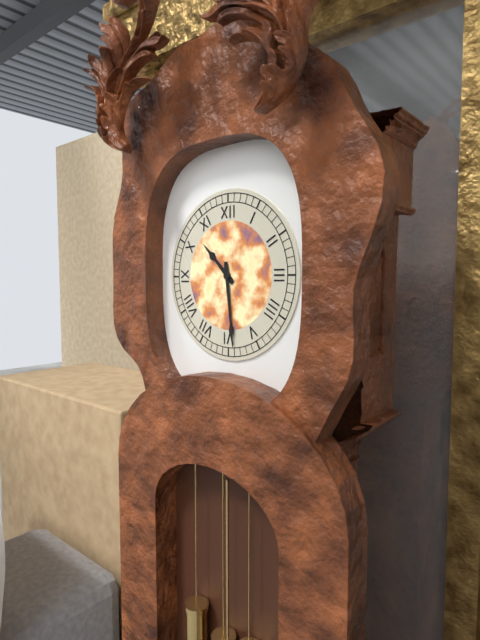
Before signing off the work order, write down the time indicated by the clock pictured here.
10:29
